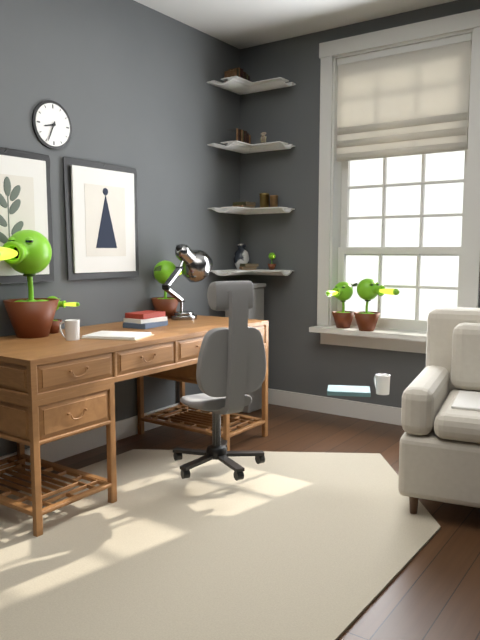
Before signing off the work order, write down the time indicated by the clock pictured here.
8:34
